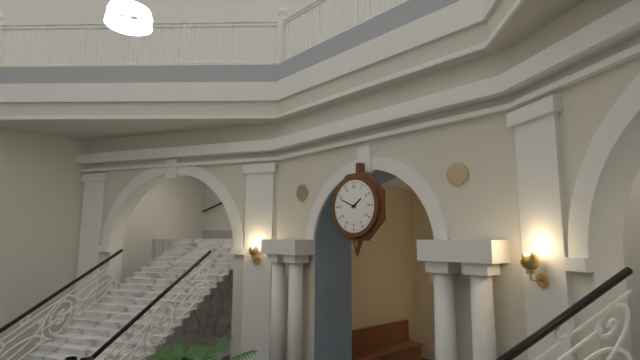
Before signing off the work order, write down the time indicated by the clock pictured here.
1:49
